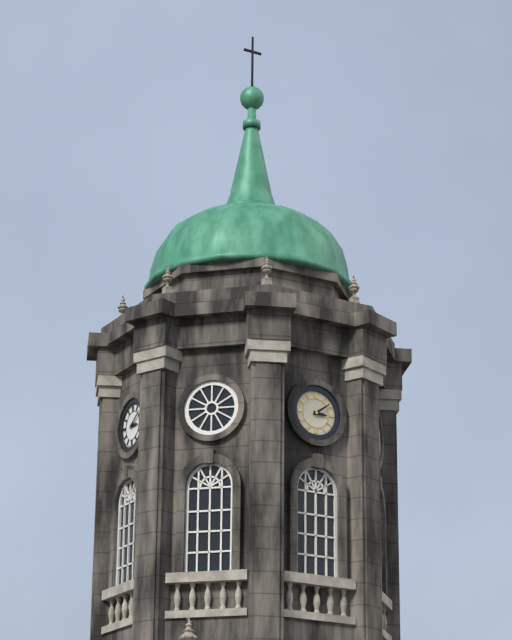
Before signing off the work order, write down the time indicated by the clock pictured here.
3:09
